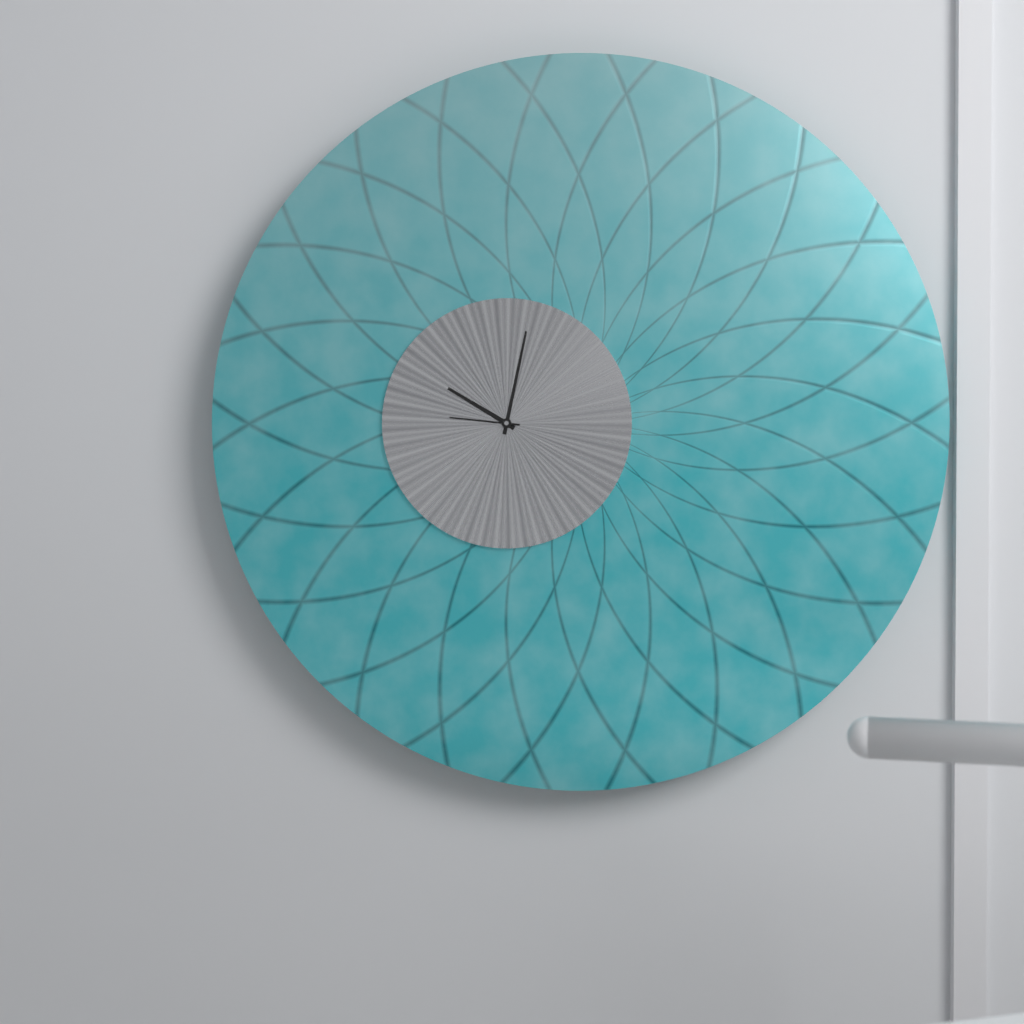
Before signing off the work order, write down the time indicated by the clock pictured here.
10:02:46
